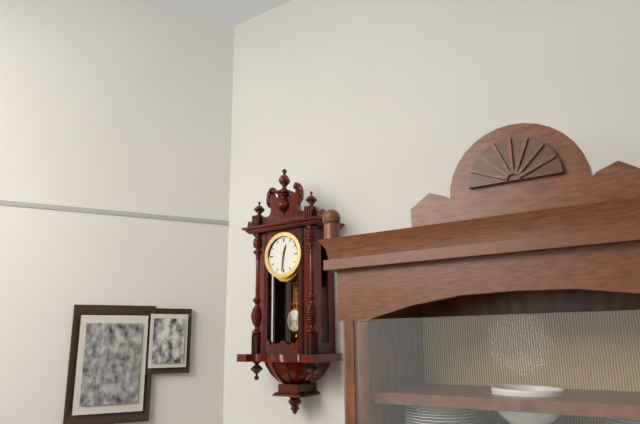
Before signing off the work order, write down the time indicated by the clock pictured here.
12:31
